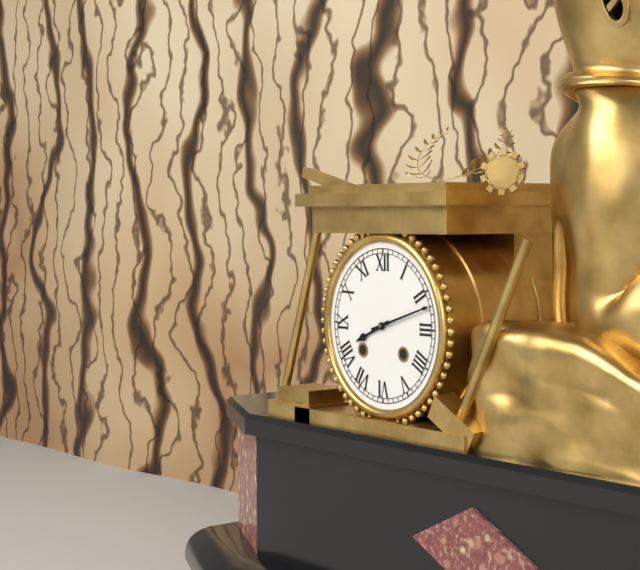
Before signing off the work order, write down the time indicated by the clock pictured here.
8:12
